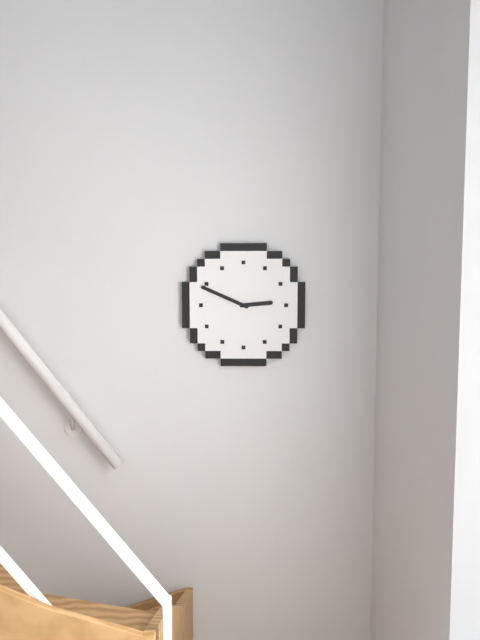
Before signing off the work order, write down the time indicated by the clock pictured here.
2:49
